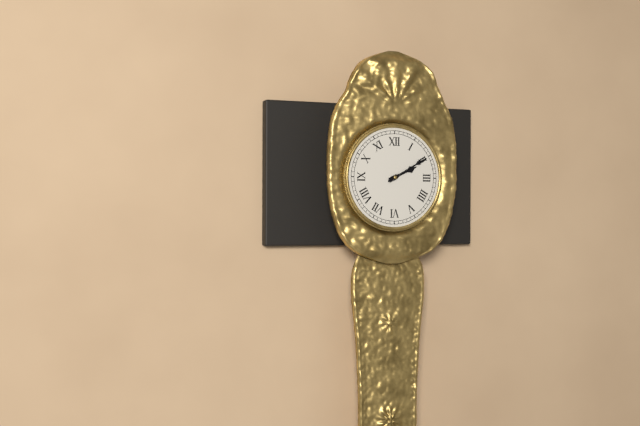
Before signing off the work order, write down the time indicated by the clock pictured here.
2:10
